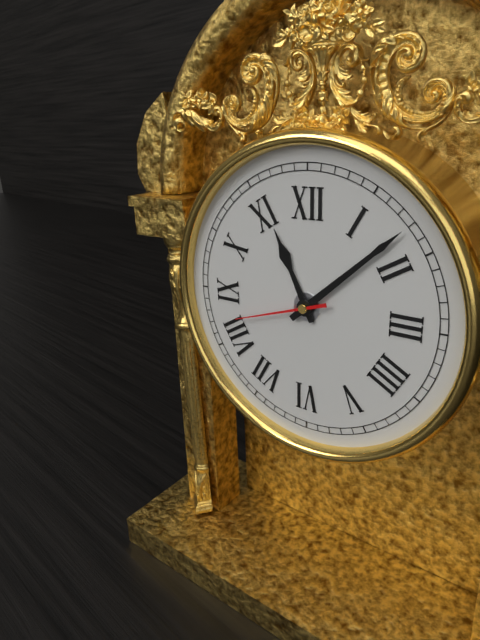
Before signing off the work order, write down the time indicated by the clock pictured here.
11:08:42
